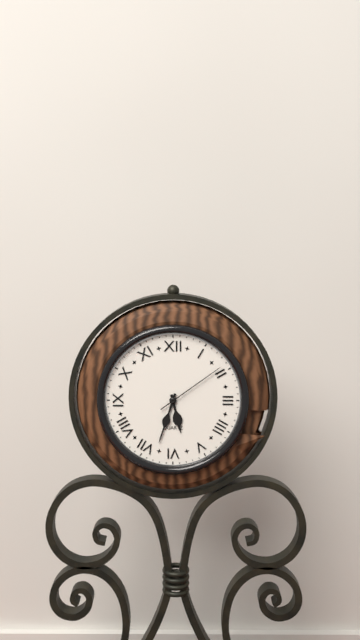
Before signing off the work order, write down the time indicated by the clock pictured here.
5:33:09
